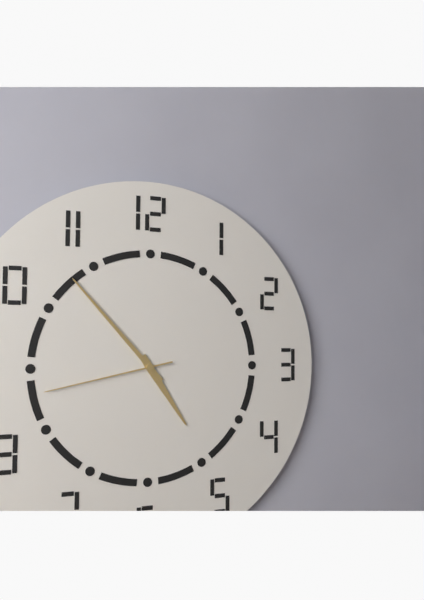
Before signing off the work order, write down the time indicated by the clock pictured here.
4:53:43
